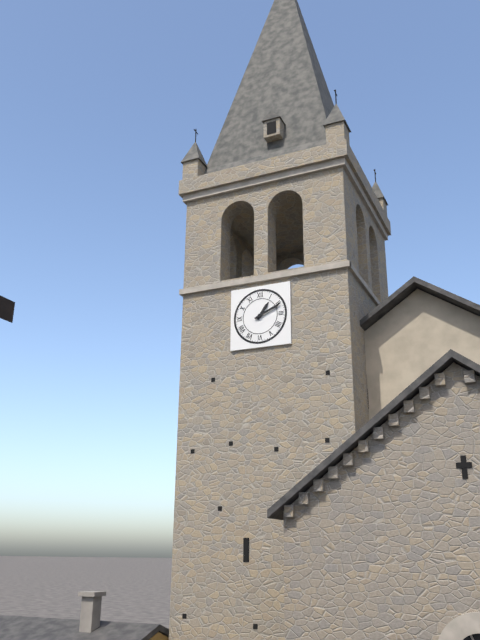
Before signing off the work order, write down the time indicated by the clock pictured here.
1:11
